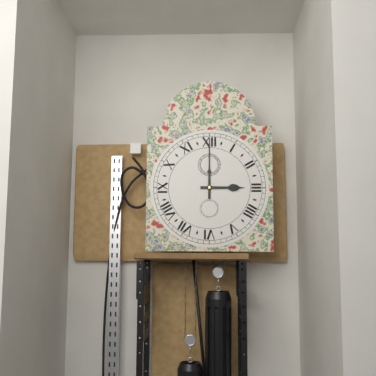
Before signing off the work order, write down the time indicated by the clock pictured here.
3:00
